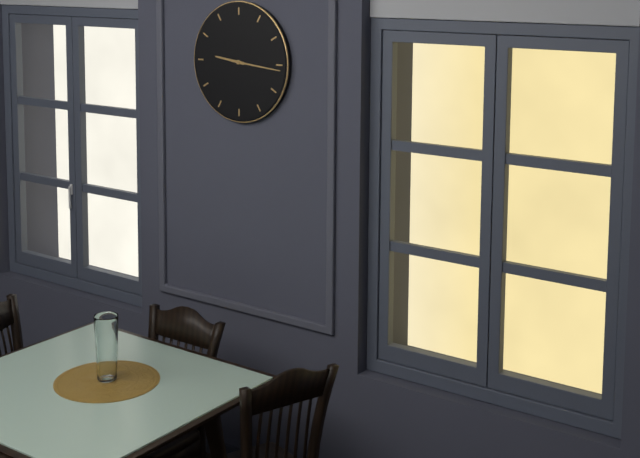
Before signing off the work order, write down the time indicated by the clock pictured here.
9:16
